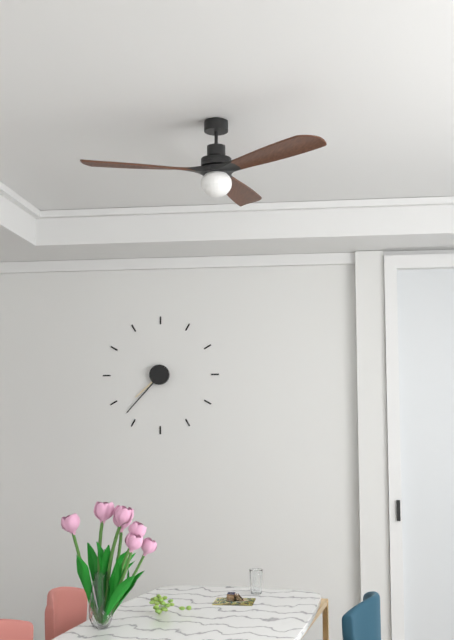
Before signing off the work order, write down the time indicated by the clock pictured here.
7:37
